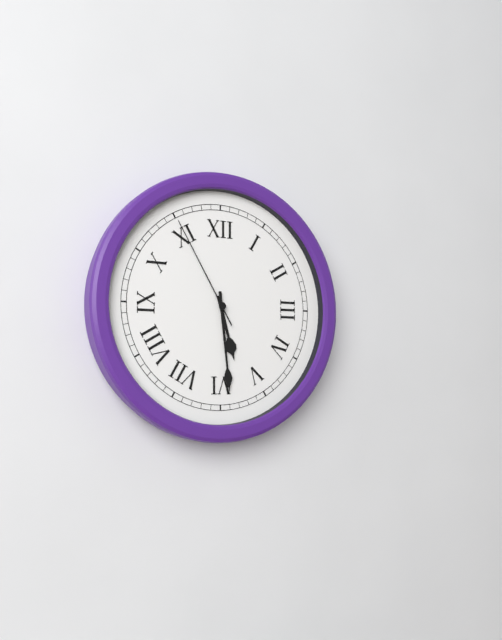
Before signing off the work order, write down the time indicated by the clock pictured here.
5:29:55
